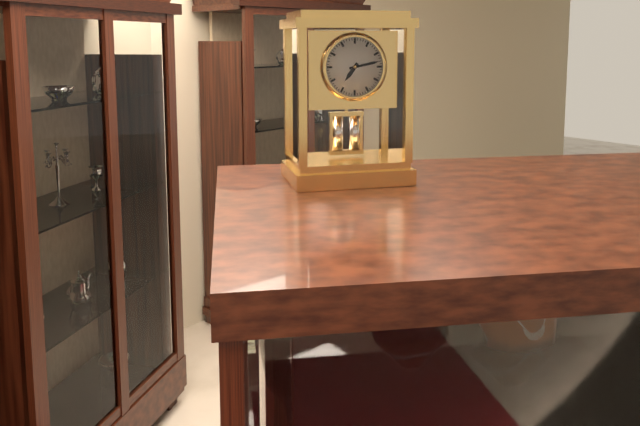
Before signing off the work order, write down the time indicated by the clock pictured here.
7:13
